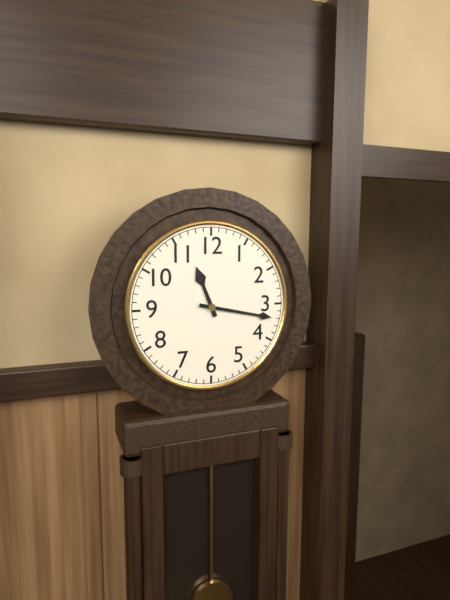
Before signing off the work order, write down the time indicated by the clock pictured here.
11:17
